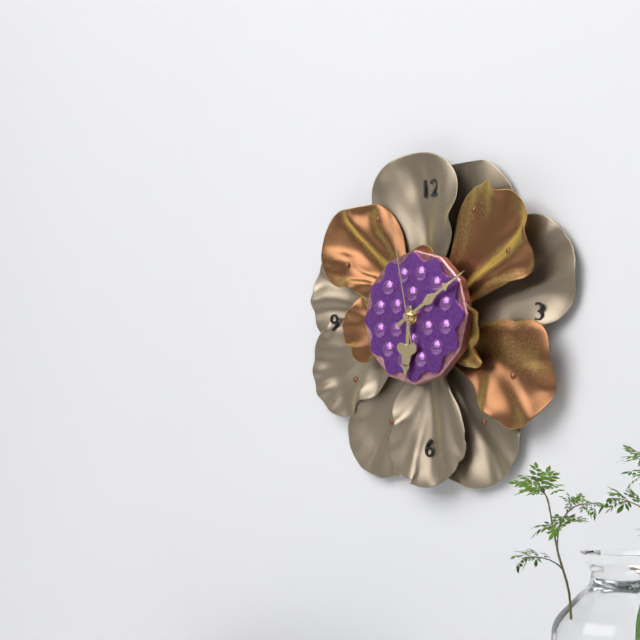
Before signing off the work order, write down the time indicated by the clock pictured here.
6:10:58
